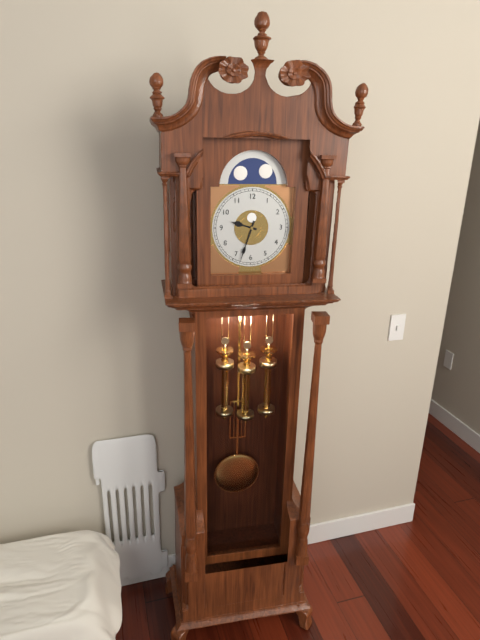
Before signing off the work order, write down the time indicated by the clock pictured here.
9:33
